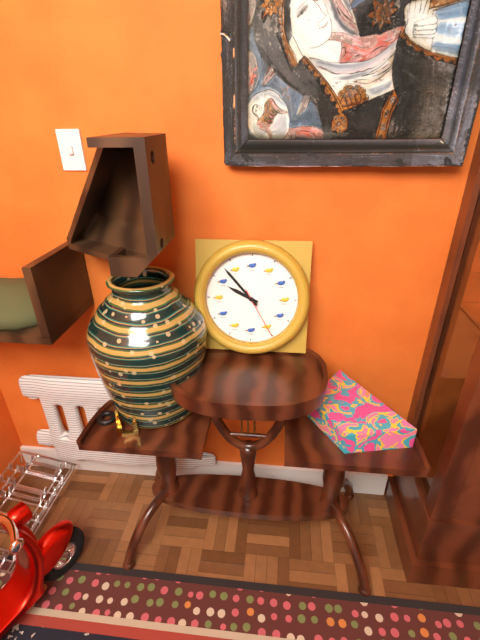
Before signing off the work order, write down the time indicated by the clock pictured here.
9:53:25
